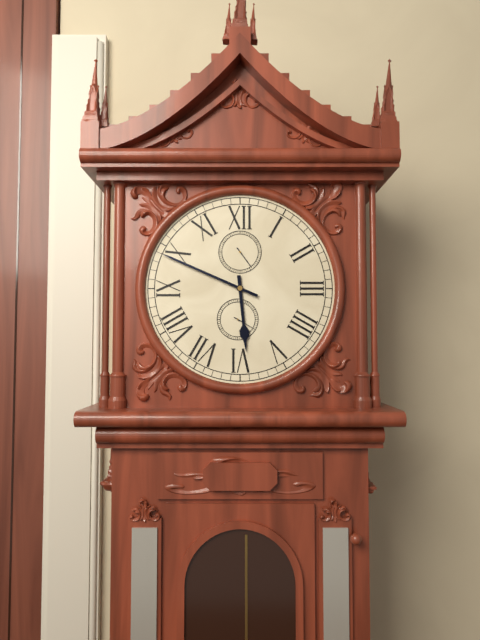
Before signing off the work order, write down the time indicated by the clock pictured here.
5:49
